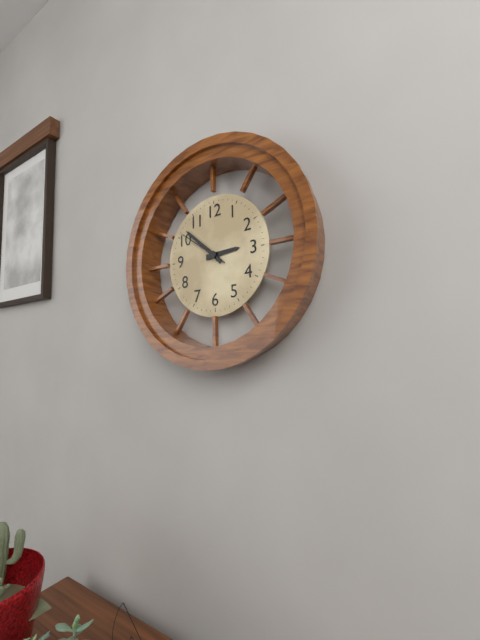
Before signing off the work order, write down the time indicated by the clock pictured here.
2:52:51
